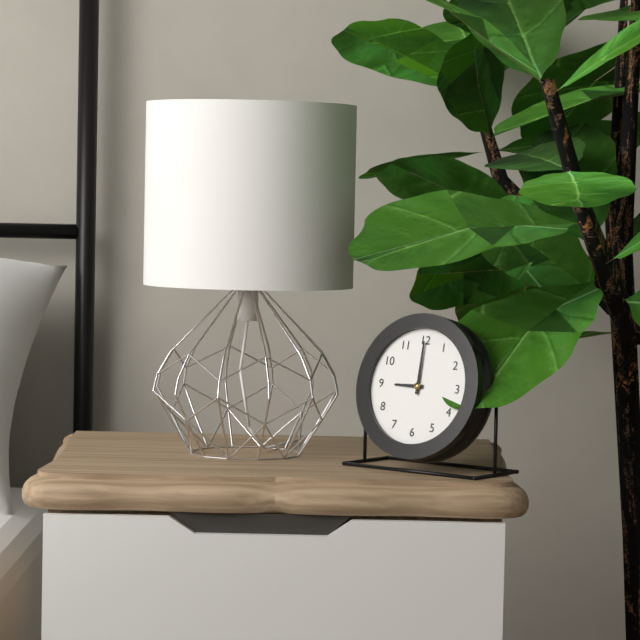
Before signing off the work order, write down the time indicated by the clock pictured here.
9:00
